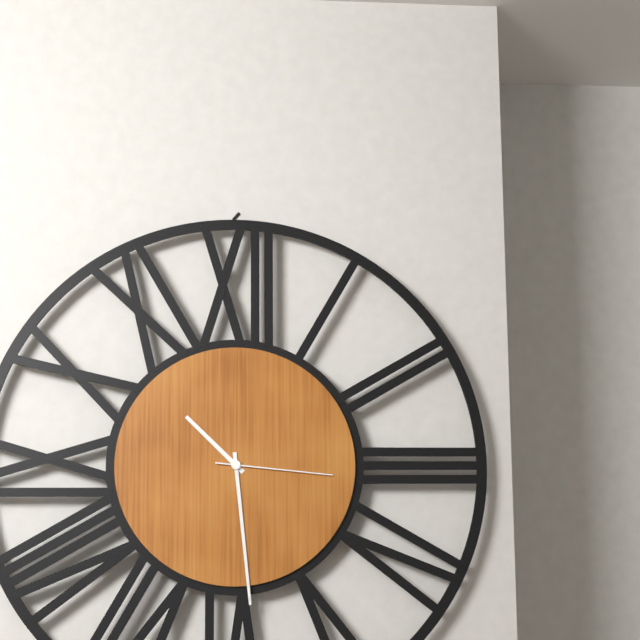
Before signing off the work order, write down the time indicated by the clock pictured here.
10:29:16
